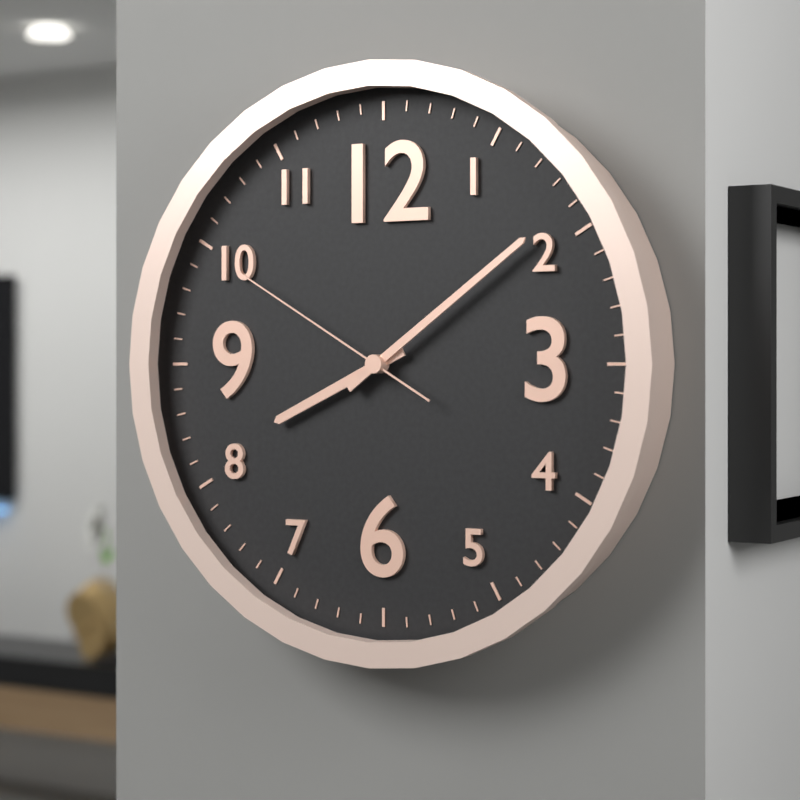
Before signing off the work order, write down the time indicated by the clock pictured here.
8:09:50
